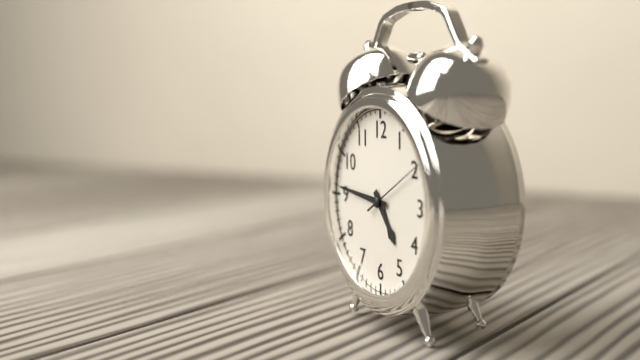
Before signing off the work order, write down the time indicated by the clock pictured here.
4:46:10
